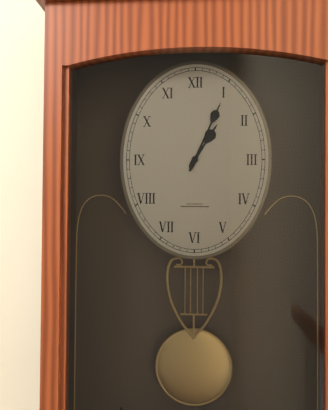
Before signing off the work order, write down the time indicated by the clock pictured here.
1:04
